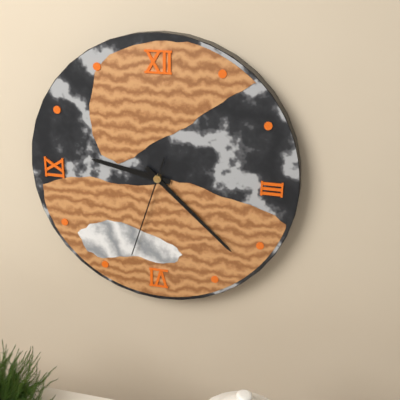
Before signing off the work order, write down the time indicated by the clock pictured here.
9:22:33
